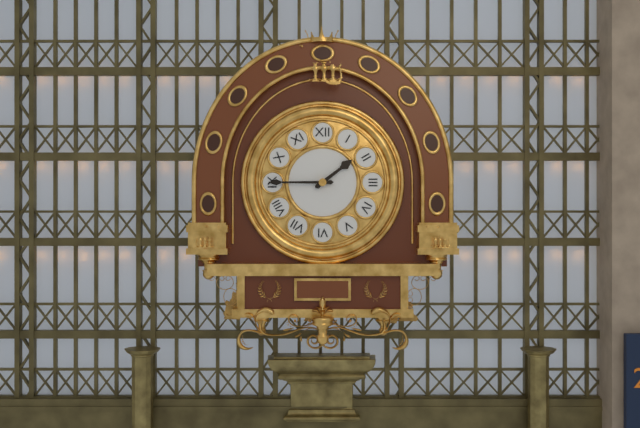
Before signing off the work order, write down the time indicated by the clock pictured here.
1:45
